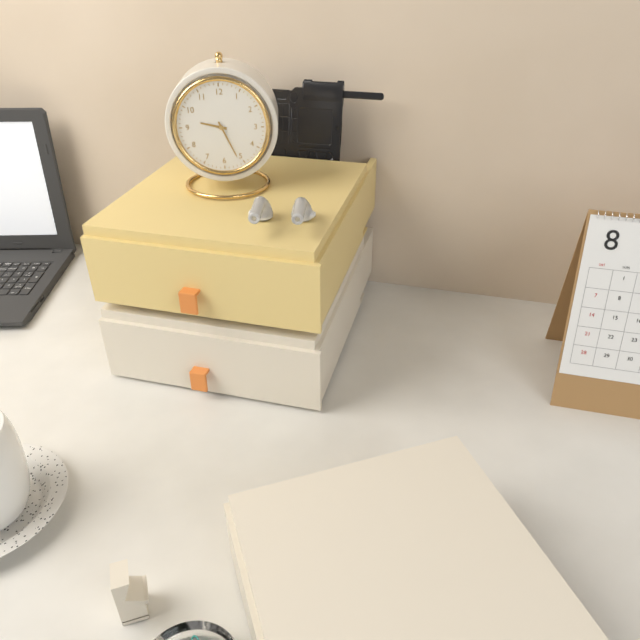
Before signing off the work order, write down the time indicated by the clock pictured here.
9:26
